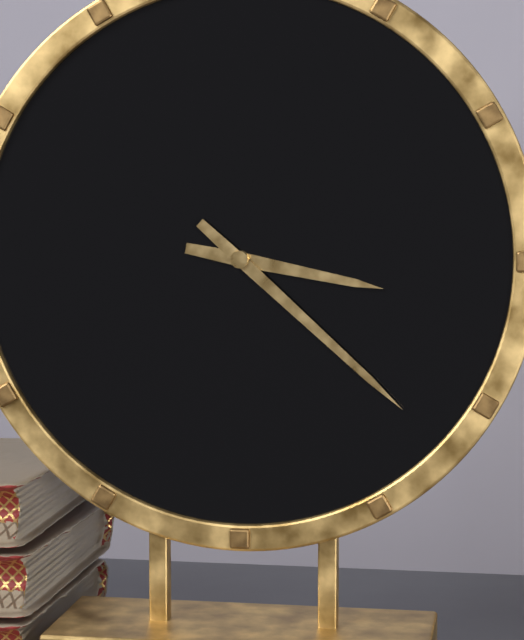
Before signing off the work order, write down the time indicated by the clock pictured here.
3:22
